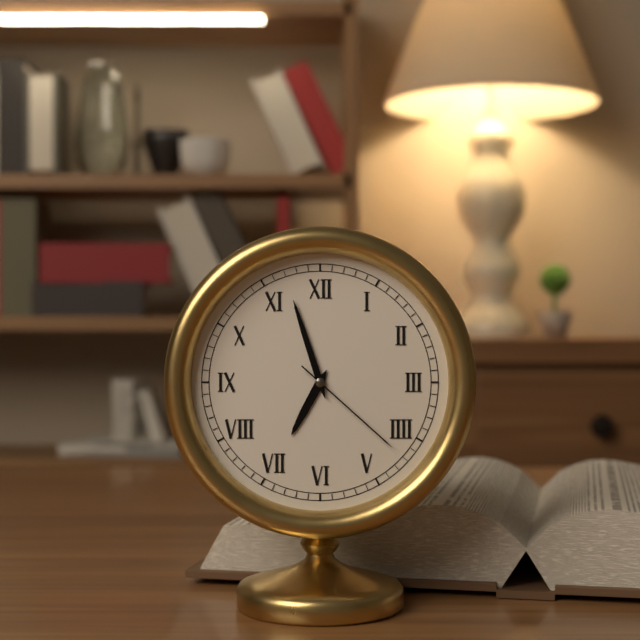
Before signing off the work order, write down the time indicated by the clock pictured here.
6:57:22
